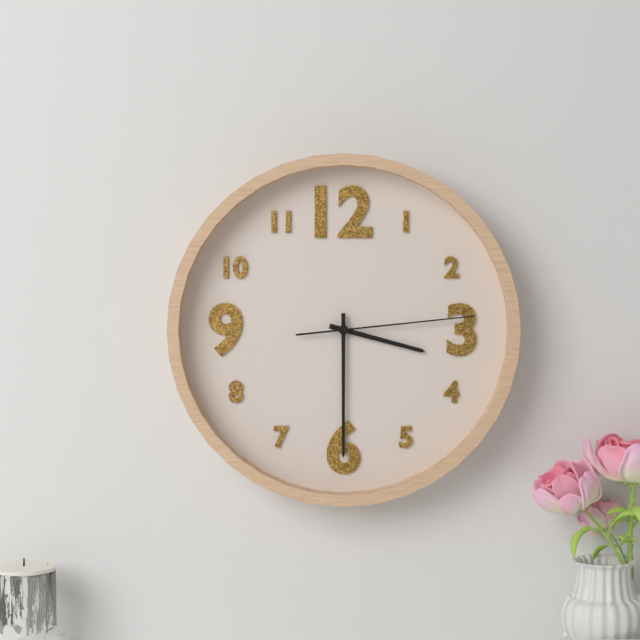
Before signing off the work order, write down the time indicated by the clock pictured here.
3:30:14
